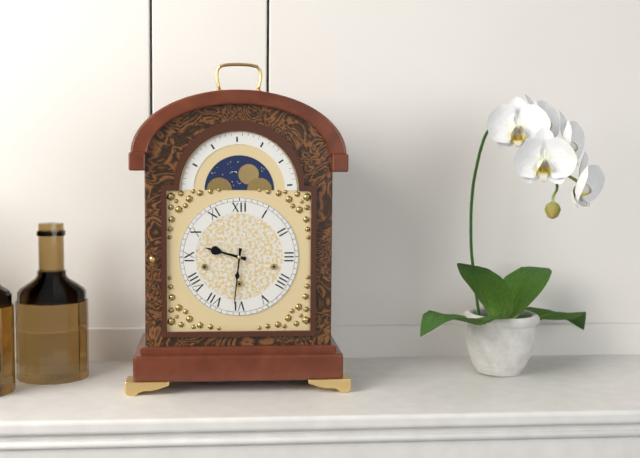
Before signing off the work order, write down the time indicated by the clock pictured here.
9:31
